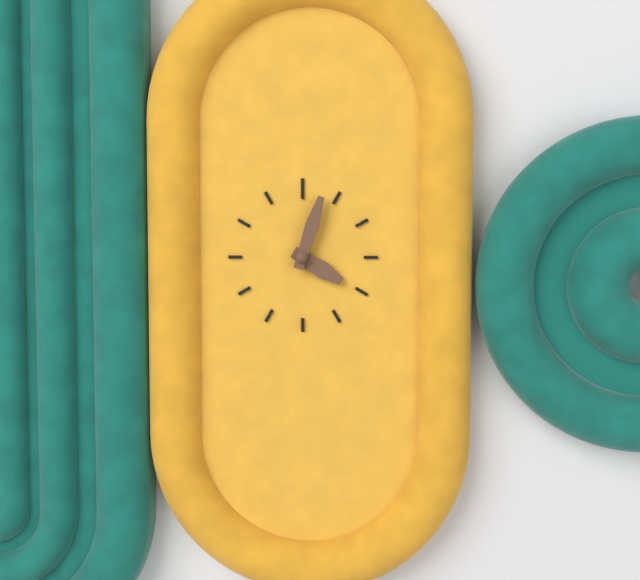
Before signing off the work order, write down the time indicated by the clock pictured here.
4:03
